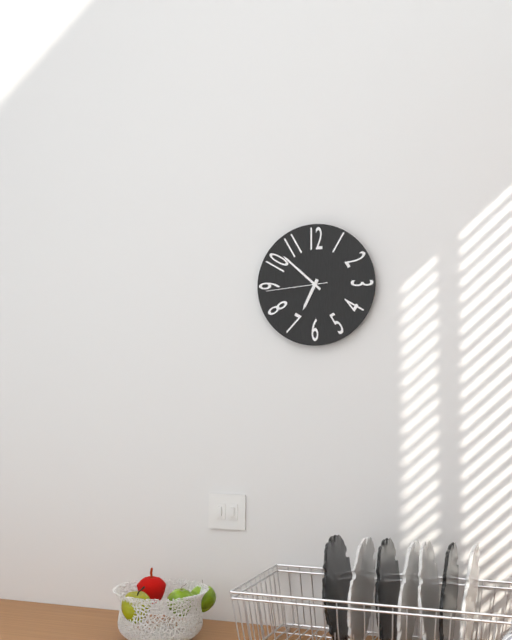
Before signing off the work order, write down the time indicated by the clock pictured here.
6:52:44
